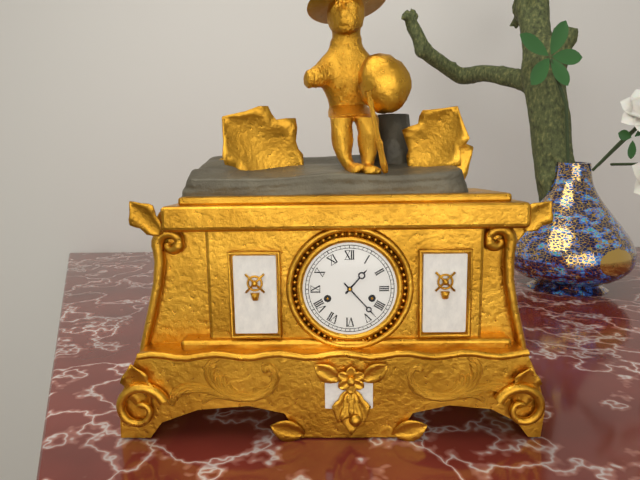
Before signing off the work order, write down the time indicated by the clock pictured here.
1:23
